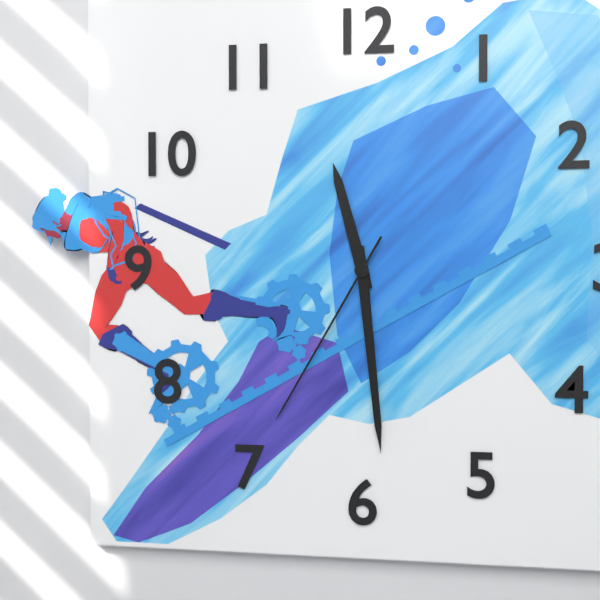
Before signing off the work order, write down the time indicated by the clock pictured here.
11:29:35
